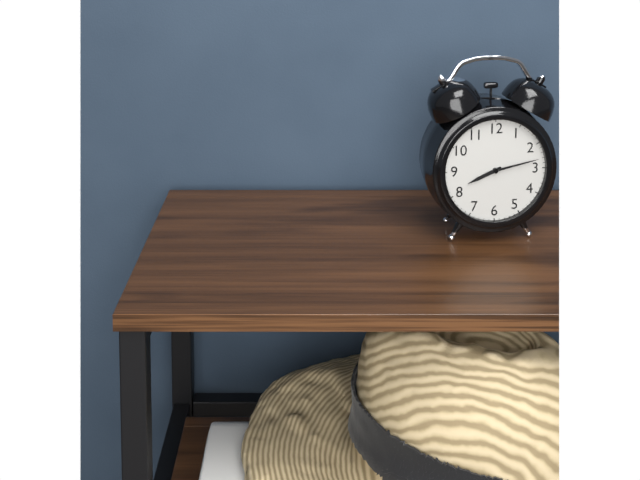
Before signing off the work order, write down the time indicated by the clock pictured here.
8:13
